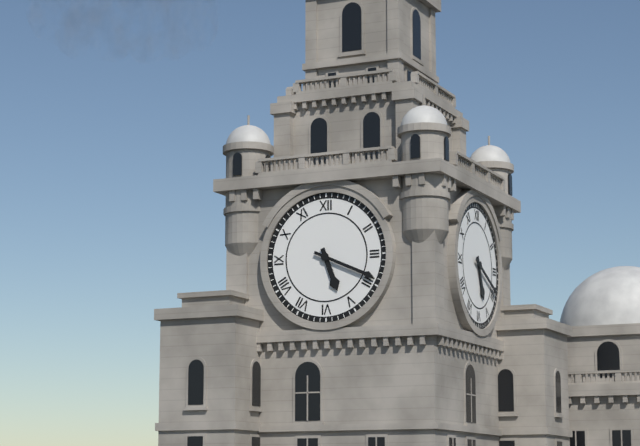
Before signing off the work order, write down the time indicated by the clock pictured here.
5:19
